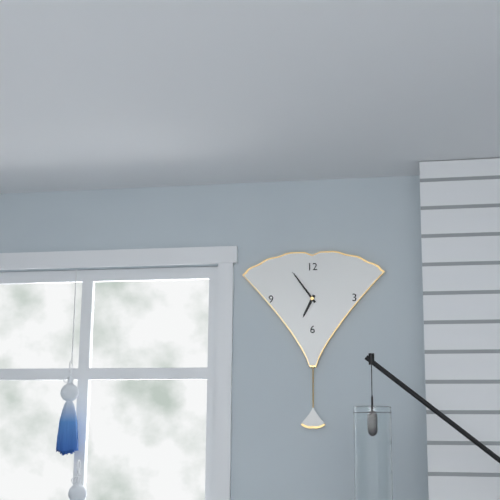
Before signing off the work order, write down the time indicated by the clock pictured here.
6:54
